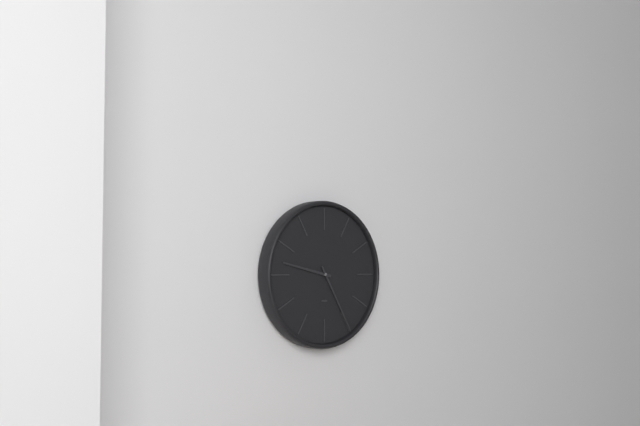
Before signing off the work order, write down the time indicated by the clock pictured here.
9:25
